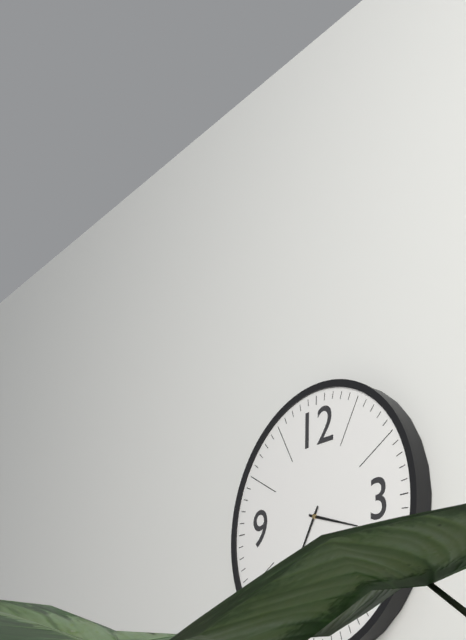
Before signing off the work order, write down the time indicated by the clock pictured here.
3:35
